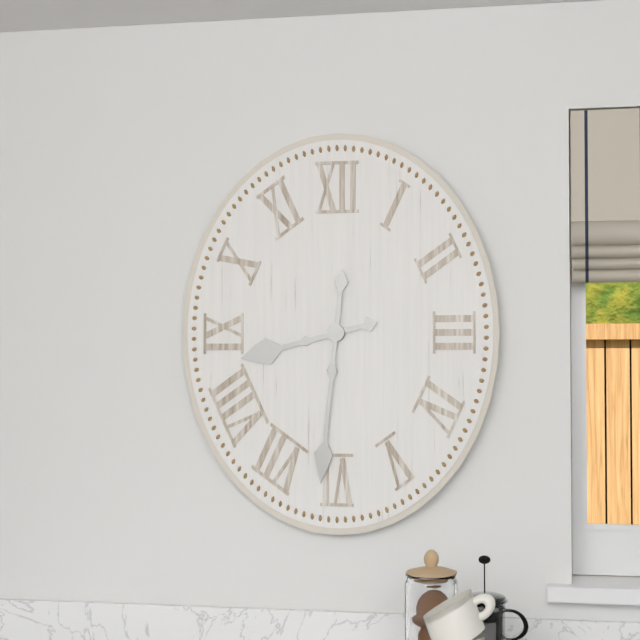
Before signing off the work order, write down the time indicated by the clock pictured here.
8:31
